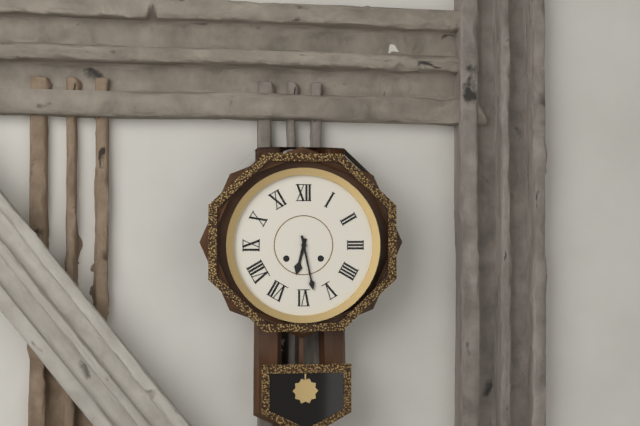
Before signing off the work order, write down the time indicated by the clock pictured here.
6:28
